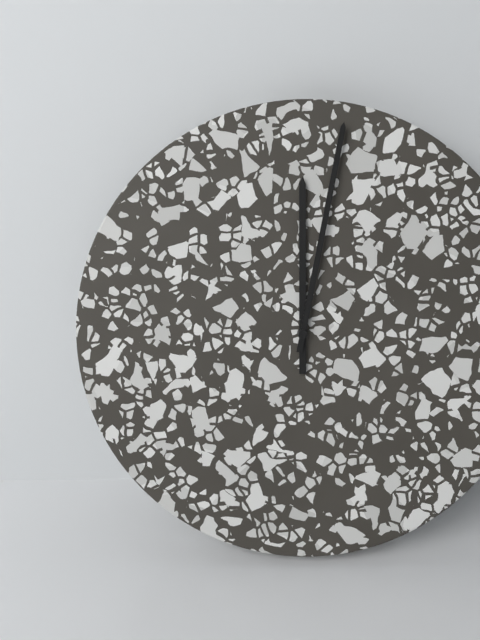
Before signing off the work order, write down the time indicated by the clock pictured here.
12:02
